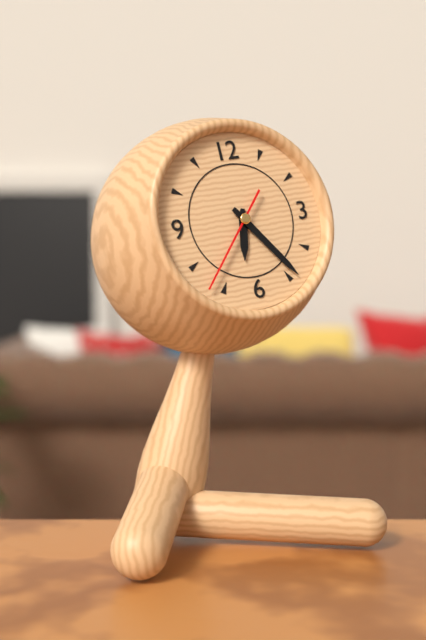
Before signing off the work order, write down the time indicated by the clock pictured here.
6:24:37
